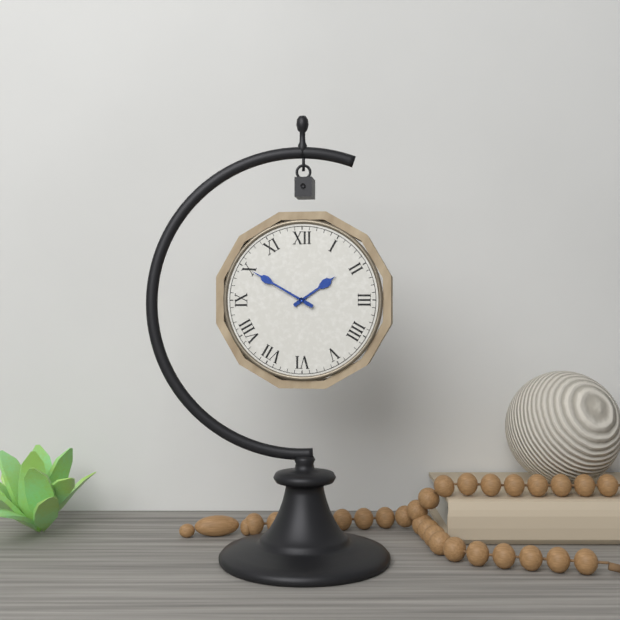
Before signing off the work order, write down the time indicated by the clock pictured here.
1:50
